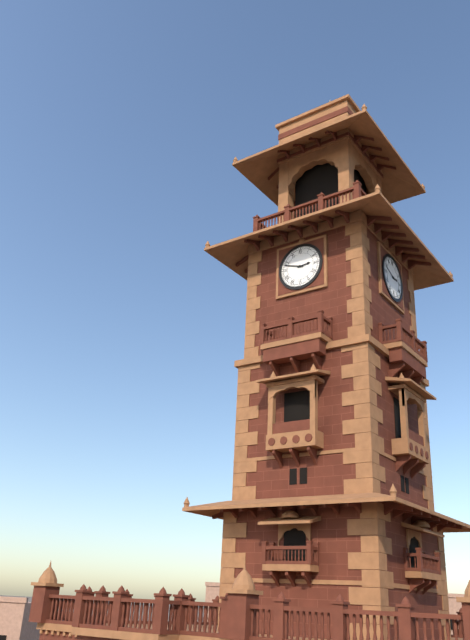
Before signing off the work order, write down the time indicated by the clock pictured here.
2:48
